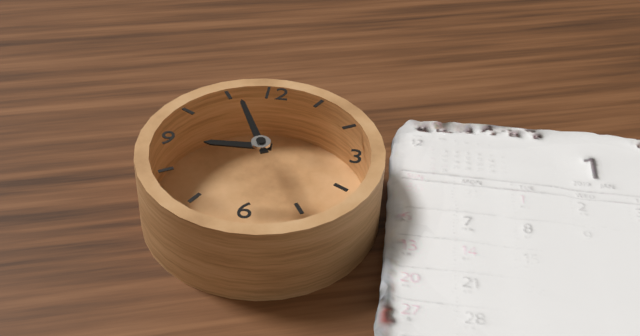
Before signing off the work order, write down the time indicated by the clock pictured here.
8:56
